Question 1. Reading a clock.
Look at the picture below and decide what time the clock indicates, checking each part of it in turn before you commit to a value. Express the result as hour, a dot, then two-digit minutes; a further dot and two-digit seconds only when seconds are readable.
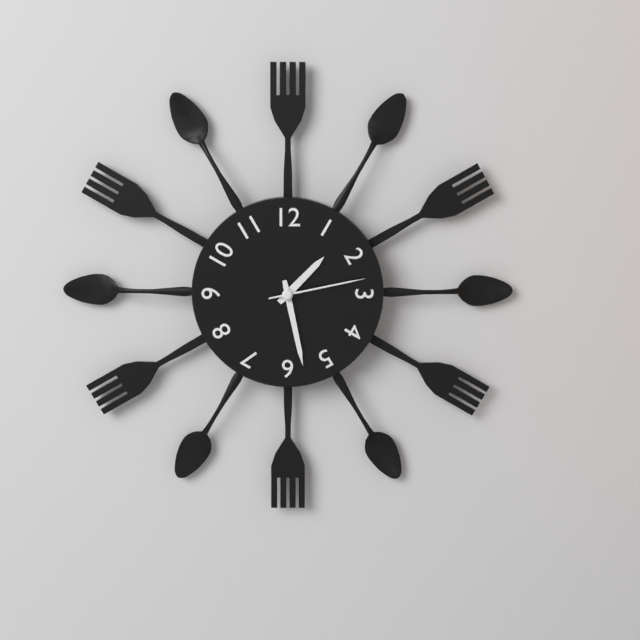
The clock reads 1.28.13
